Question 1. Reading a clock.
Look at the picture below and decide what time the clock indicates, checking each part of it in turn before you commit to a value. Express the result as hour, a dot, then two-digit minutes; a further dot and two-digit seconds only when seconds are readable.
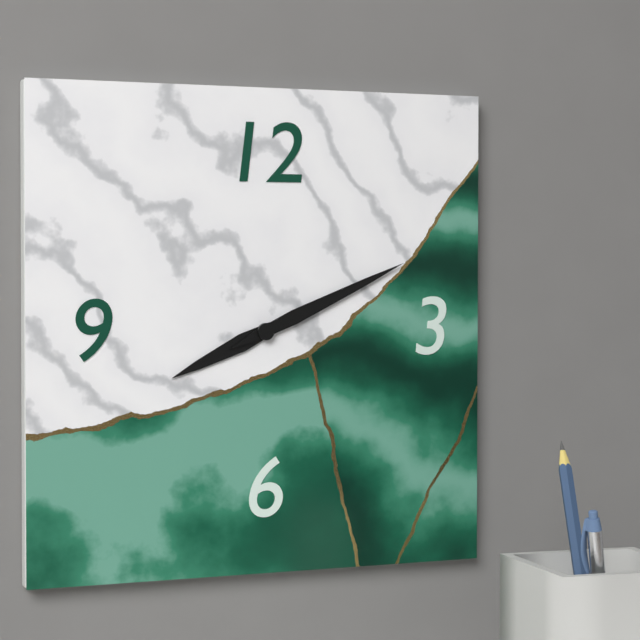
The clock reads 8.11
